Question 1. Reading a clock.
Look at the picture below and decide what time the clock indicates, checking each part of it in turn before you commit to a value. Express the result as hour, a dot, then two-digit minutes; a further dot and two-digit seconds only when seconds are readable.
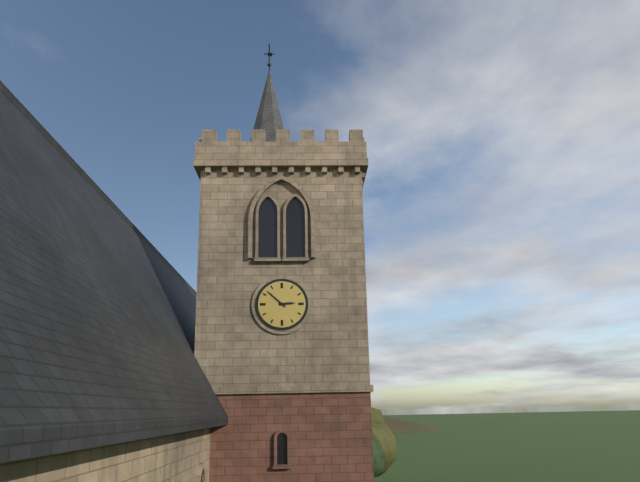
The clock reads 2.52
